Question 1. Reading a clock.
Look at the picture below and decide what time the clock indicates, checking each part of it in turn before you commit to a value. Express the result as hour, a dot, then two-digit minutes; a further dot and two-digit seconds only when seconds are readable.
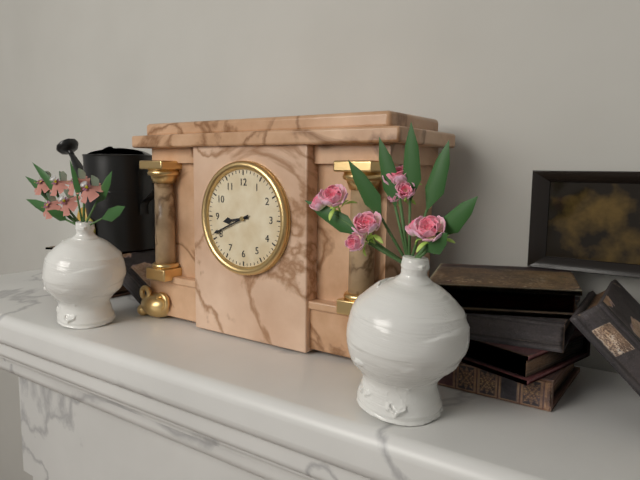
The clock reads 8.41
